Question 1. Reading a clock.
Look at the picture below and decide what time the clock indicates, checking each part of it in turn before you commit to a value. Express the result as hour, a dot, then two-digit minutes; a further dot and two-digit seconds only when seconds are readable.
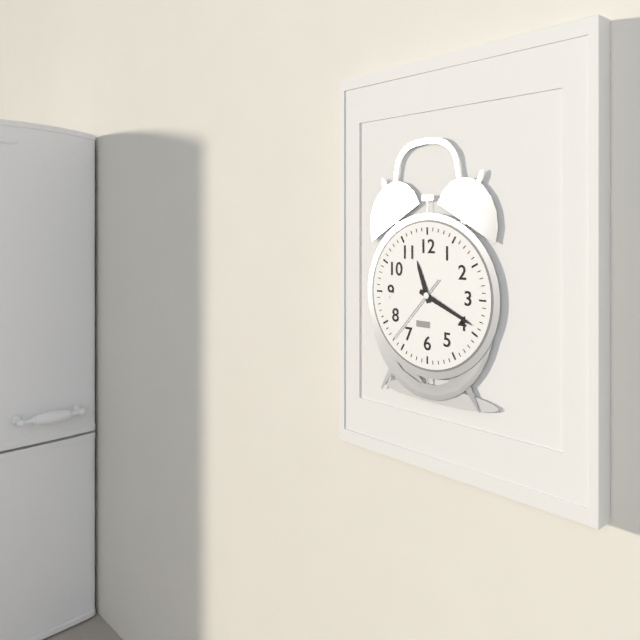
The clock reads 11.19.37
